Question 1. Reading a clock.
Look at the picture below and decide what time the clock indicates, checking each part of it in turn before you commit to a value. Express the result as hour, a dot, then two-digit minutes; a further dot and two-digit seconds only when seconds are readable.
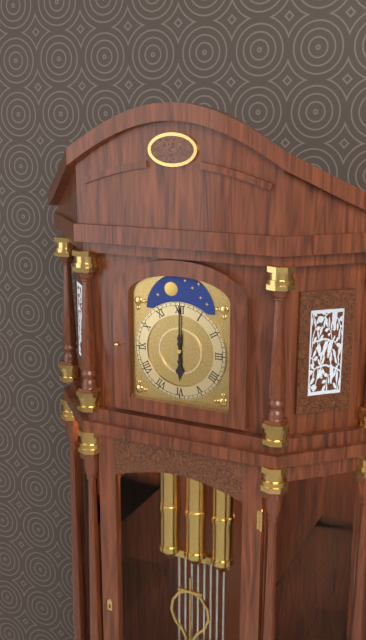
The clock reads 6.00
